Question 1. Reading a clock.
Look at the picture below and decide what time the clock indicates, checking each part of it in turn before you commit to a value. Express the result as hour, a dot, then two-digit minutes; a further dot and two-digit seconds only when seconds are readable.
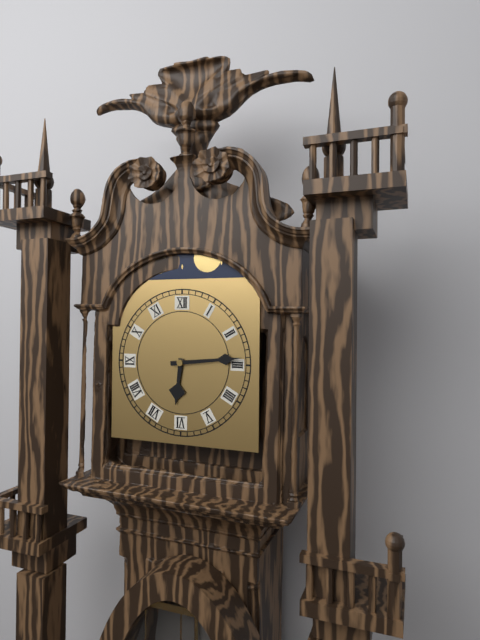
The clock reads 6.14
